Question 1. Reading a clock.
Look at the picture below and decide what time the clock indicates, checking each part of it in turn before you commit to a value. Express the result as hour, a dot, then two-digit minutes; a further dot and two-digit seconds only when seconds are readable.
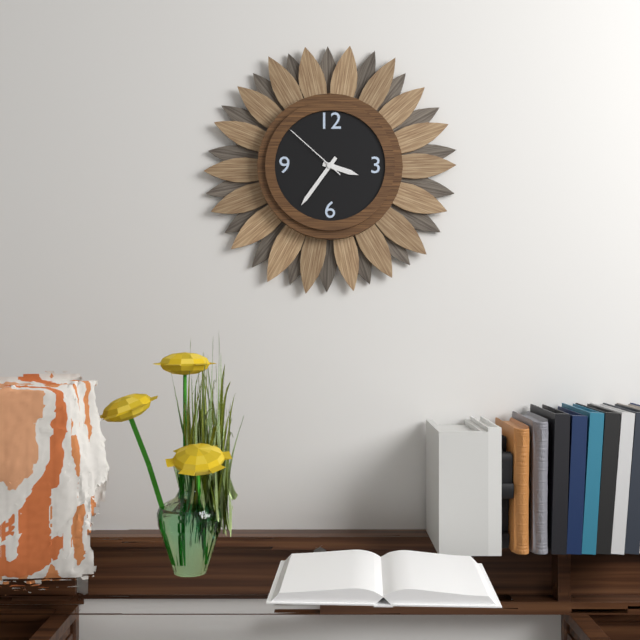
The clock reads 3.36.52
